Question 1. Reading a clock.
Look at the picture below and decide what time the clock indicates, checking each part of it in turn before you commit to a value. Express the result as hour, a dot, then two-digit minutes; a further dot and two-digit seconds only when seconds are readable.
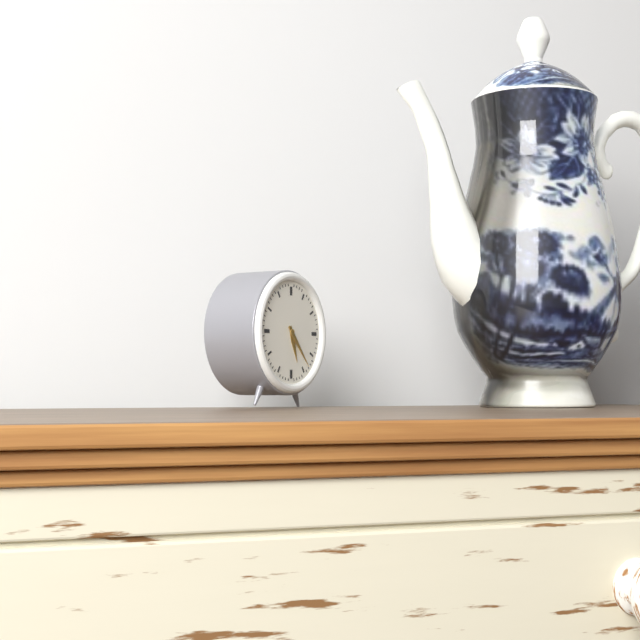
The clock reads 5.23
